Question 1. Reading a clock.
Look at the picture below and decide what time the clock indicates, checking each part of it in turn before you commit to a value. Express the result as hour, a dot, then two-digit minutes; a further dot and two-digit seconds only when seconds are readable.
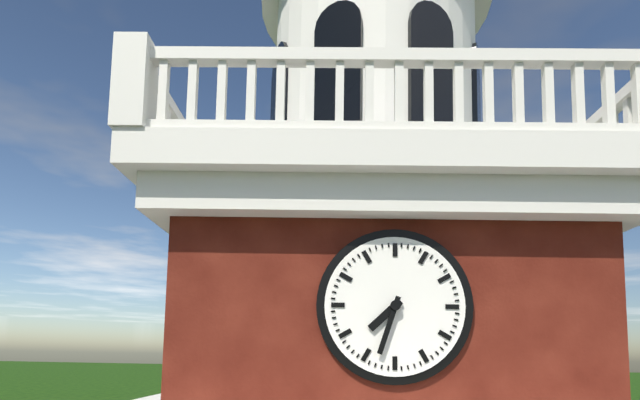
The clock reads 7.33
